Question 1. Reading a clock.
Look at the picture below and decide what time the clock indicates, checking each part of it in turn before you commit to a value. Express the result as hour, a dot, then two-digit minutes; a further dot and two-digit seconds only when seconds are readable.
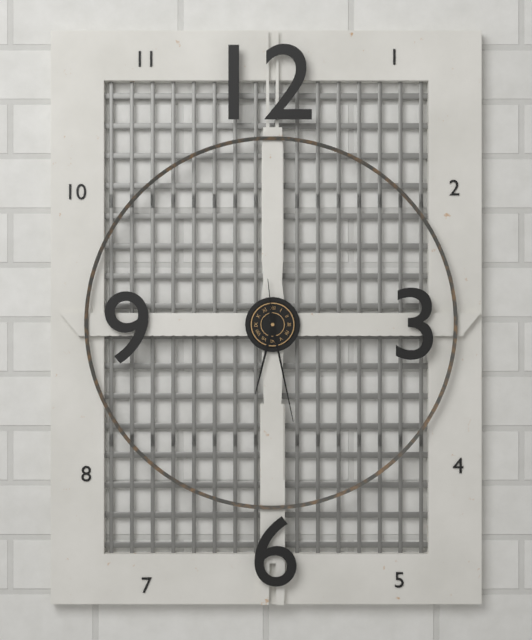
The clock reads 6.28.59
